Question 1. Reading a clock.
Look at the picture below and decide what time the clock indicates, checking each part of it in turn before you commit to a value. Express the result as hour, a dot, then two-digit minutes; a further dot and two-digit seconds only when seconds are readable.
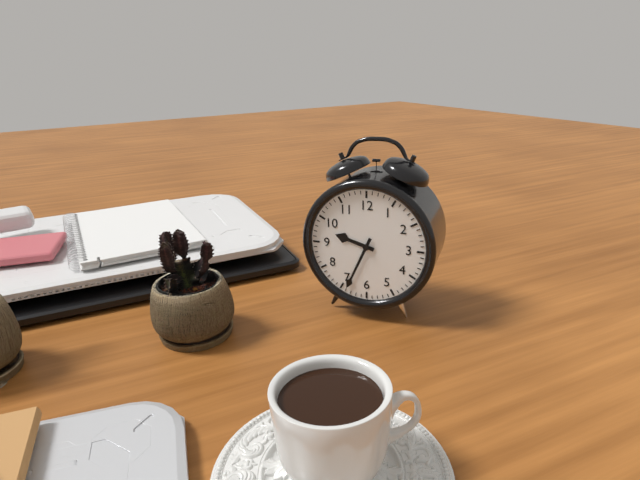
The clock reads 9.34
